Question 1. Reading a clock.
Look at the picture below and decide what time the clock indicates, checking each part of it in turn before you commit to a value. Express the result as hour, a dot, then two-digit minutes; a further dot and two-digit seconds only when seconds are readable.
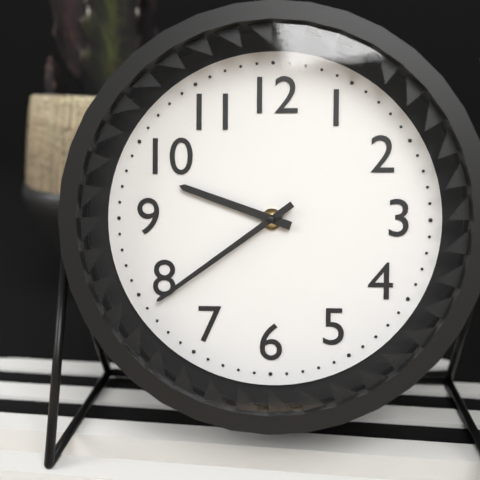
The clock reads 9.39
